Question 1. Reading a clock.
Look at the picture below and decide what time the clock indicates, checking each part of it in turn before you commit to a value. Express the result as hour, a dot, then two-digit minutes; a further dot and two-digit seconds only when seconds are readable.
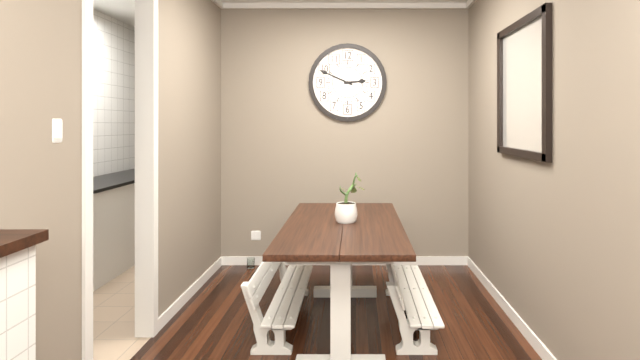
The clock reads 2.49
